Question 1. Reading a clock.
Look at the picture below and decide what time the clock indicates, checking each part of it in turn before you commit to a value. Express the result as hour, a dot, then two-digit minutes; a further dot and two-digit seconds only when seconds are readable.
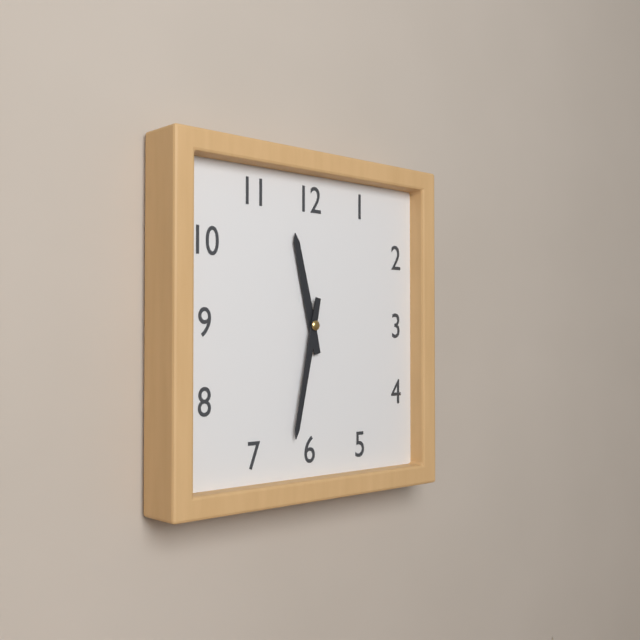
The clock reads 11.32
